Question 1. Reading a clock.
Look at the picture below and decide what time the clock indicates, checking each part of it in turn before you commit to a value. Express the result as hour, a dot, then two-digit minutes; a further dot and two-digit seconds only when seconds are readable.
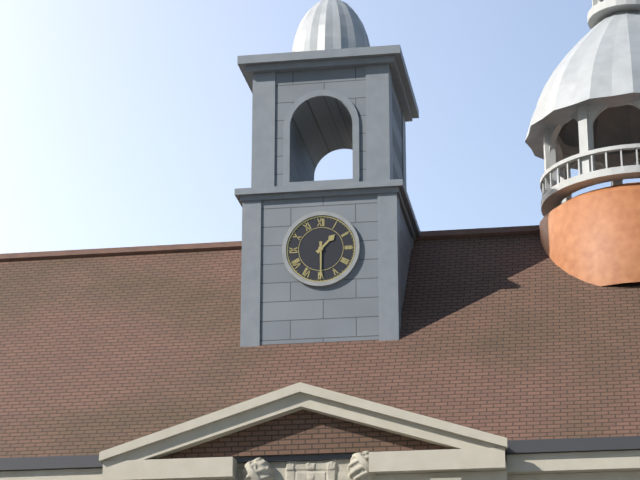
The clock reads 1.30
